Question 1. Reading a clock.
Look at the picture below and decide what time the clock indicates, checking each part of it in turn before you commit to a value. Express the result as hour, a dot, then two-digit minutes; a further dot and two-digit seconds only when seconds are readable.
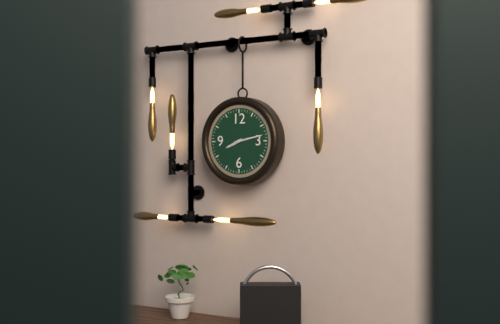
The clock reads 8.13
